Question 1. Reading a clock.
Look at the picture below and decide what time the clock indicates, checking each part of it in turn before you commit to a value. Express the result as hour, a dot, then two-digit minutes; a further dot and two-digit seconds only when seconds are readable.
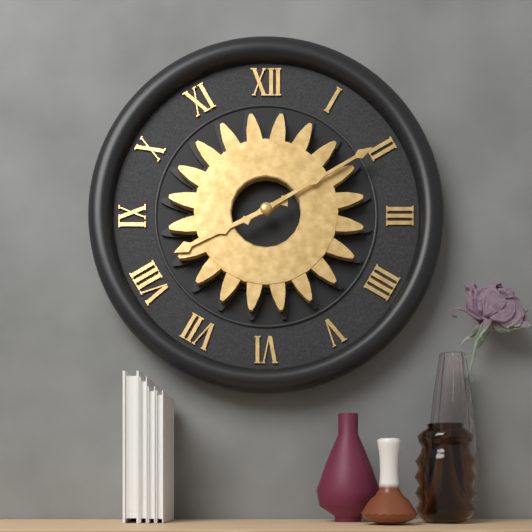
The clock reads 8.10
